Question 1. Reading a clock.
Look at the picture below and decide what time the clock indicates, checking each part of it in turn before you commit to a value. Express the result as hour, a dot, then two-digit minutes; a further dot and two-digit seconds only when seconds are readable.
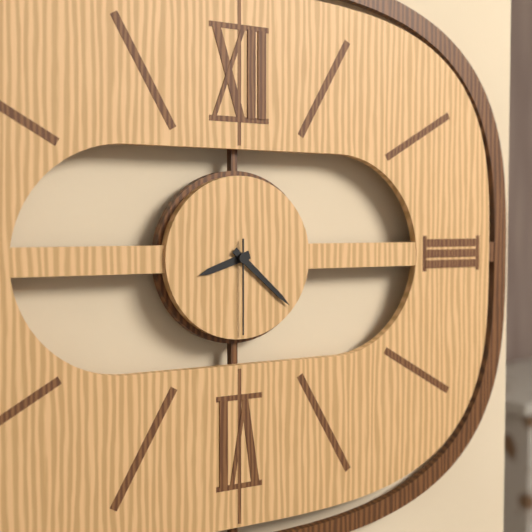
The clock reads 8.22.30
